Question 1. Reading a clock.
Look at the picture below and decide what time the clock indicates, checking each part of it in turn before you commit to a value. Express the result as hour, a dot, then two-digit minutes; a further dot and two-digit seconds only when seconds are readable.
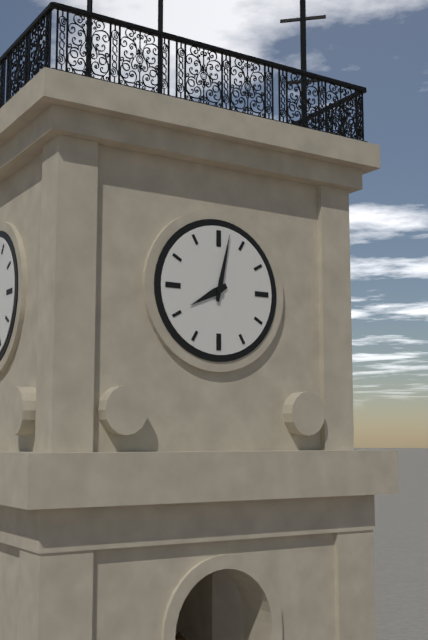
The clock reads 8.02
